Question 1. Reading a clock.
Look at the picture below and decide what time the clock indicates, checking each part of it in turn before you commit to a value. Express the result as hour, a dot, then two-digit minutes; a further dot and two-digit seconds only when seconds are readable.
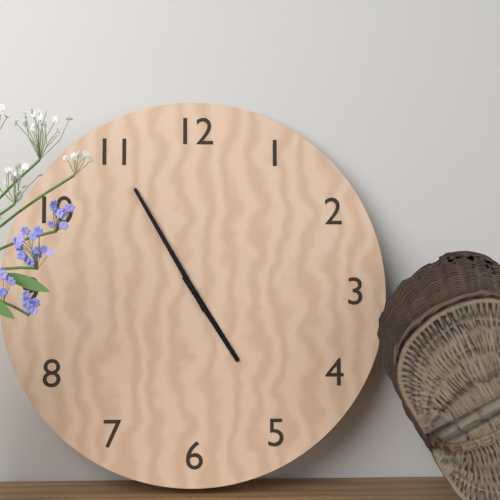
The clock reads 4.55
